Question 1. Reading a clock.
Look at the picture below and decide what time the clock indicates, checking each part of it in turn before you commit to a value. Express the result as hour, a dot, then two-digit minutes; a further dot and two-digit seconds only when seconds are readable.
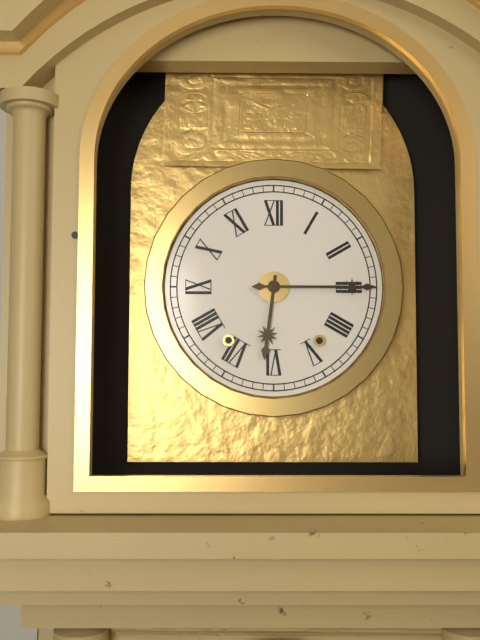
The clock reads 6.15
